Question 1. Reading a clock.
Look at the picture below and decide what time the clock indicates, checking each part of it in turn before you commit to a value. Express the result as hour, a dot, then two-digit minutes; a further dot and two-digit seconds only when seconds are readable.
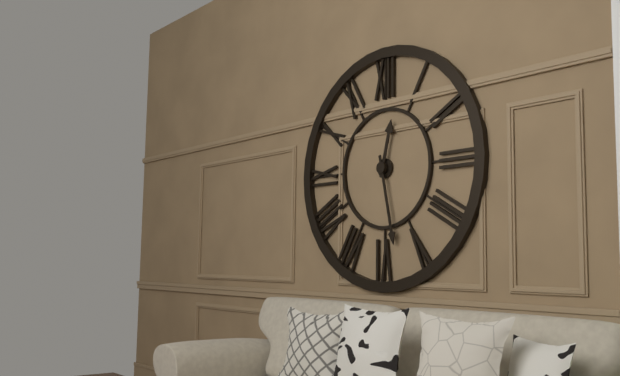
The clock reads 12.28
